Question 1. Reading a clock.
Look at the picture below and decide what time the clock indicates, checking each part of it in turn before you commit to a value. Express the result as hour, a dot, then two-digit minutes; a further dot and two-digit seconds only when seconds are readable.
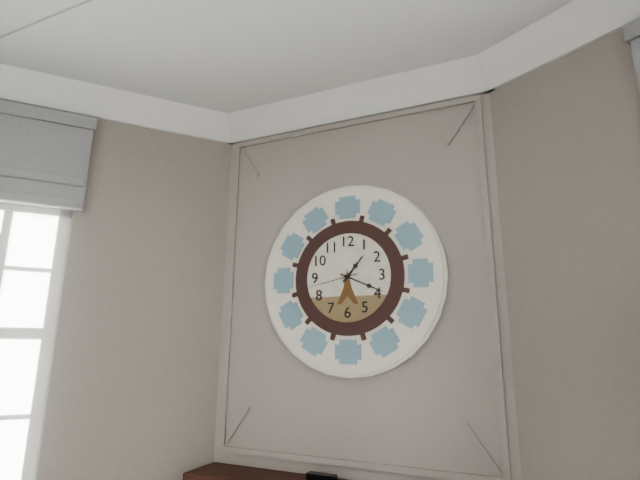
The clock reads 1.19
